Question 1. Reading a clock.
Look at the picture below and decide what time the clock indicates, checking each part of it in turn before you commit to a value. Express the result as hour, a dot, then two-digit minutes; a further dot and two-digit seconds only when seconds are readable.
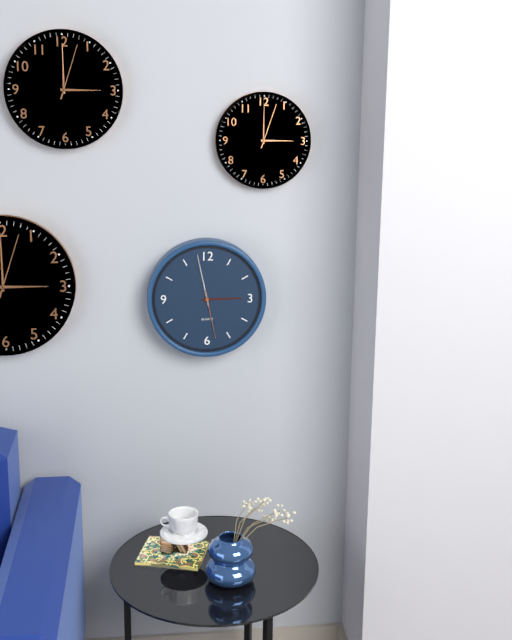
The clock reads 2.58
